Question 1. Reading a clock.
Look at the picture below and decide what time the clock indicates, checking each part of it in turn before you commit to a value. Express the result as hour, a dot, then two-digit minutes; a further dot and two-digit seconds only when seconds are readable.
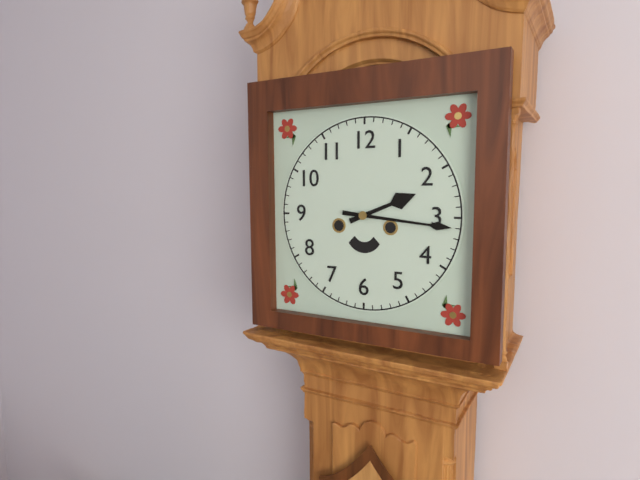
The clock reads 2.16
